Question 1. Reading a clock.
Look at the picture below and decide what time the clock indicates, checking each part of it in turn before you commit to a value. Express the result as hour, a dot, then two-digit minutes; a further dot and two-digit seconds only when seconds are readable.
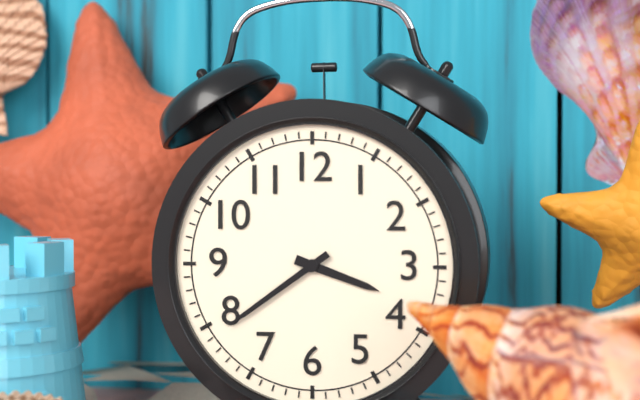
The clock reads 3.39
